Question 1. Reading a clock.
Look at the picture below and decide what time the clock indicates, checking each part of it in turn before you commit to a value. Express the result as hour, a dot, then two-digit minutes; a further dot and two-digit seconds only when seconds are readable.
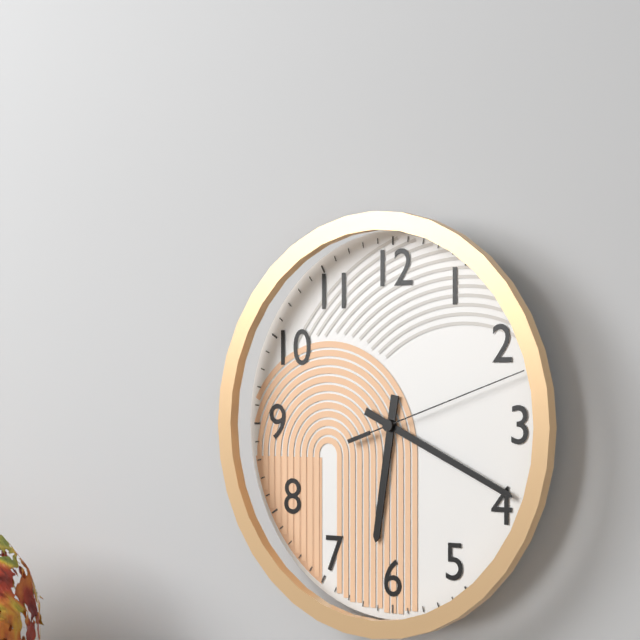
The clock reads 6.19.12
